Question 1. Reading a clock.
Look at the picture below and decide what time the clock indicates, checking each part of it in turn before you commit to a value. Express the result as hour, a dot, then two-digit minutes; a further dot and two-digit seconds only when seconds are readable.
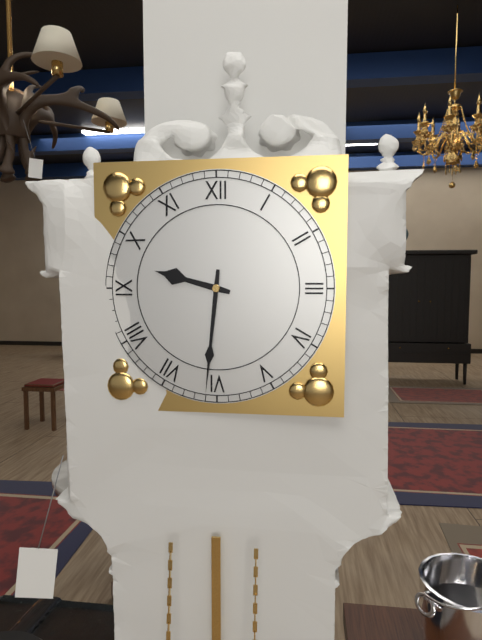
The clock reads 9.31
